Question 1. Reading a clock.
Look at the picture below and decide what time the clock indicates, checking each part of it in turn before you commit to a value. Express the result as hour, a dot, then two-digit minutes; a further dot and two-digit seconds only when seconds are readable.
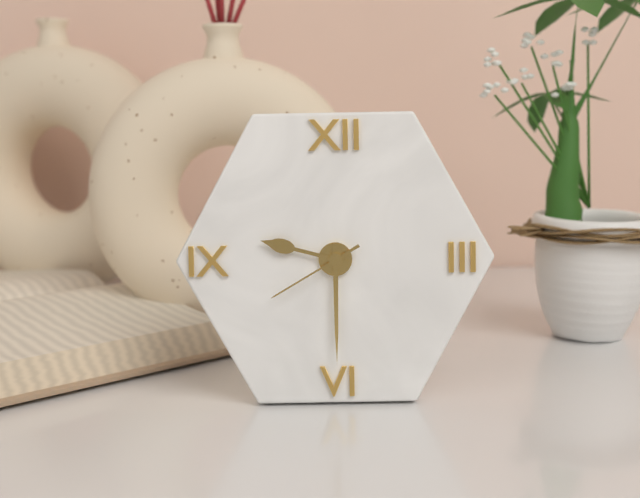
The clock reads 9.30.40
